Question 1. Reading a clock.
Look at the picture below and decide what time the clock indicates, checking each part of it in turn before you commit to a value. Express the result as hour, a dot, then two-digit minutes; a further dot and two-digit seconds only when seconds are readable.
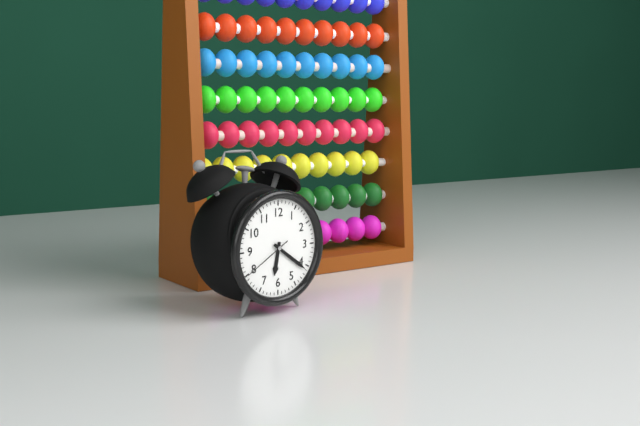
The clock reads 6.21.40
